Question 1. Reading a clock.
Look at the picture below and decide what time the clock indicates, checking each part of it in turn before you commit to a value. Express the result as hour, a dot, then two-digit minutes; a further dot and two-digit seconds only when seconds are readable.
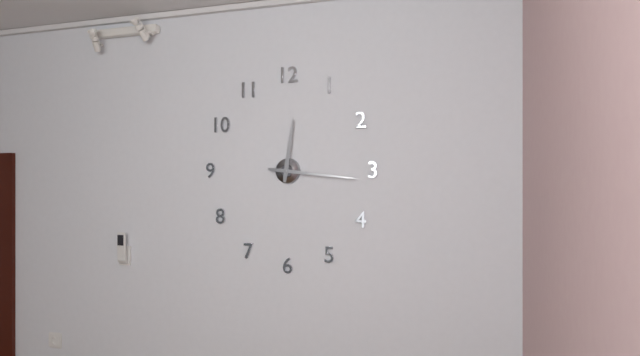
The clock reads 12.16
